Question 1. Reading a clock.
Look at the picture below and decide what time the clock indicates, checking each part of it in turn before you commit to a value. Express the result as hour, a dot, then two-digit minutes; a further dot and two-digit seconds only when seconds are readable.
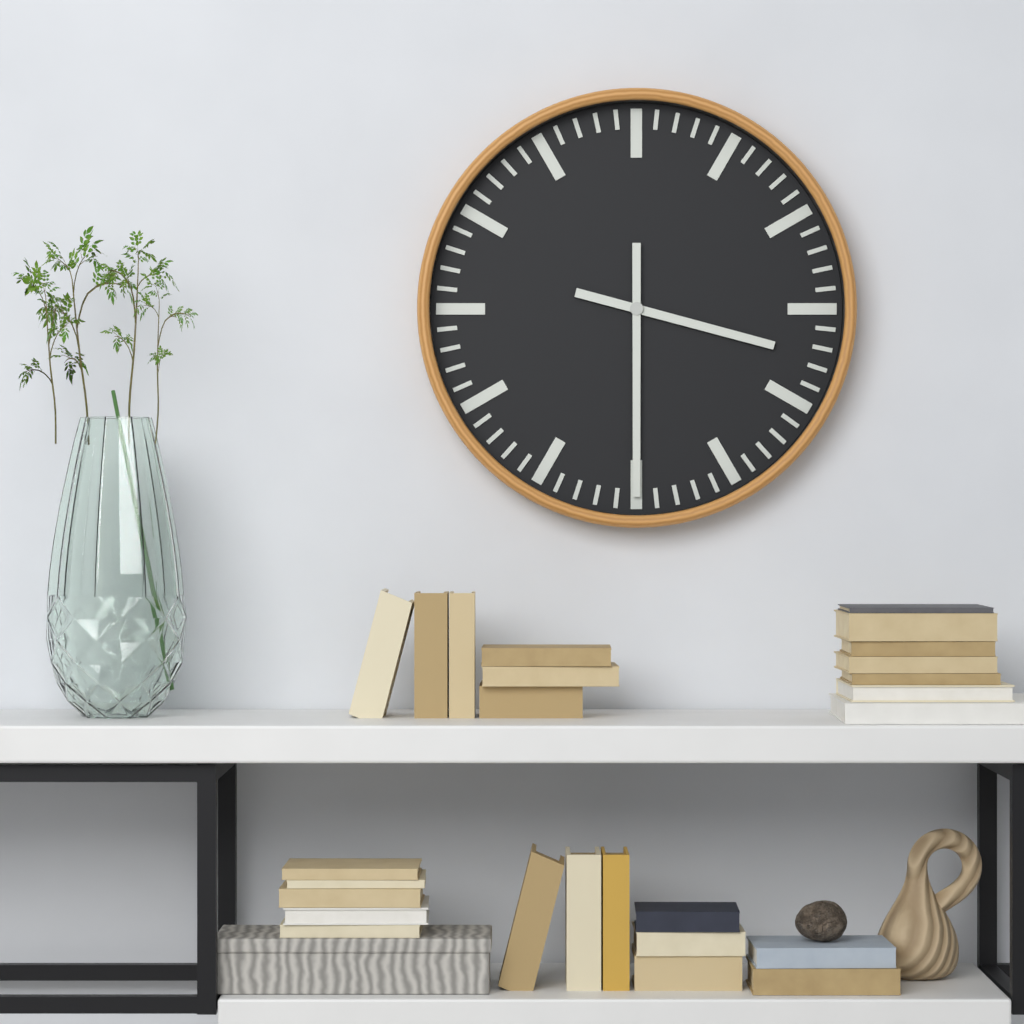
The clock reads 3.30
